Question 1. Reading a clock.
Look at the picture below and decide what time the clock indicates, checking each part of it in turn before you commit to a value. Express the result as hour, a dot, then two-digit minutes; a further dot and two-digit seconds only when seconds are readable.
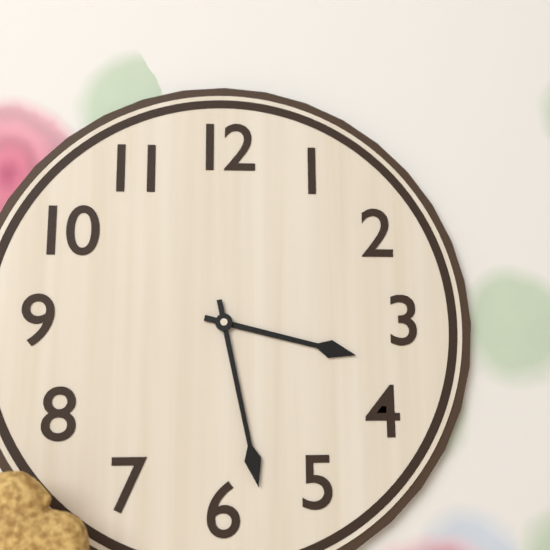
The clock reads 3.28
